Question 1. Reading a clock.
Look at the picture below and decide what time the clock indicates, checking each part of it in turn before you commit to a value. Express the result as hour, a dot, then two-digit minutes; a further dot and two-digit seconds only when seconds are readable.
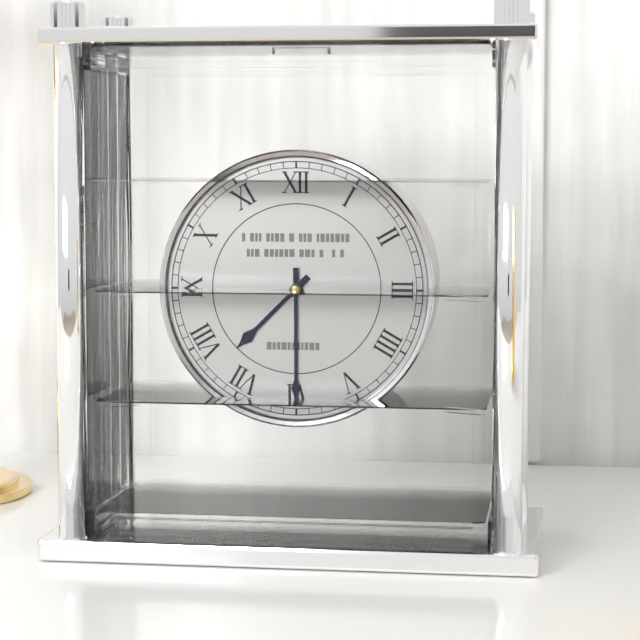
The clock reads 7.30
